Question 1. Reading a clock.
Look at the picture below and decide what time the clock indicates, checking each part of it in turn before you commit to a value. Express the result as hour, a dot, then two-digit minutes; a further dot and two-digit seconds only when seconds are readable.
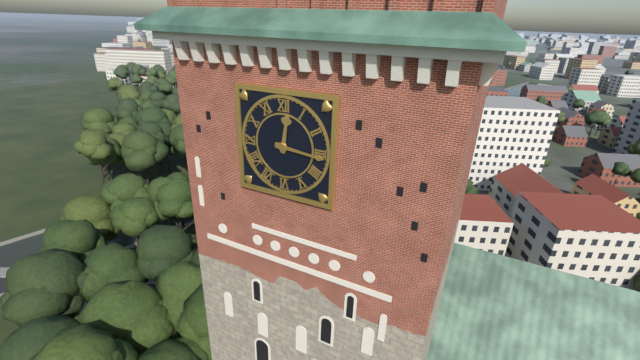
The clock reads 12.16
